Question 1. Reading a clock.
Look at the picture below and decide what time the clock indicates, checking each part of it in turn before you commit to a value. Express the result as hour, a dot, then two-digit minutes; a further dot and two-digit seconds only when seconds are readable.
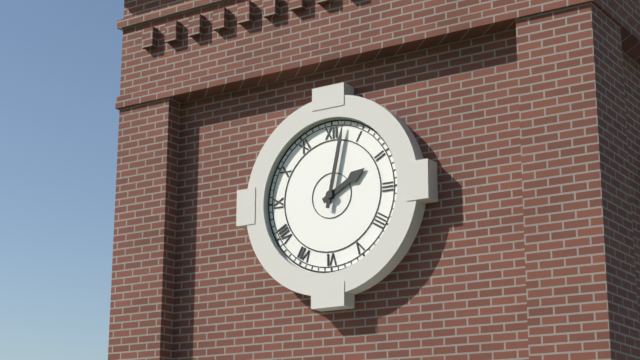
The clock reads 2.02
